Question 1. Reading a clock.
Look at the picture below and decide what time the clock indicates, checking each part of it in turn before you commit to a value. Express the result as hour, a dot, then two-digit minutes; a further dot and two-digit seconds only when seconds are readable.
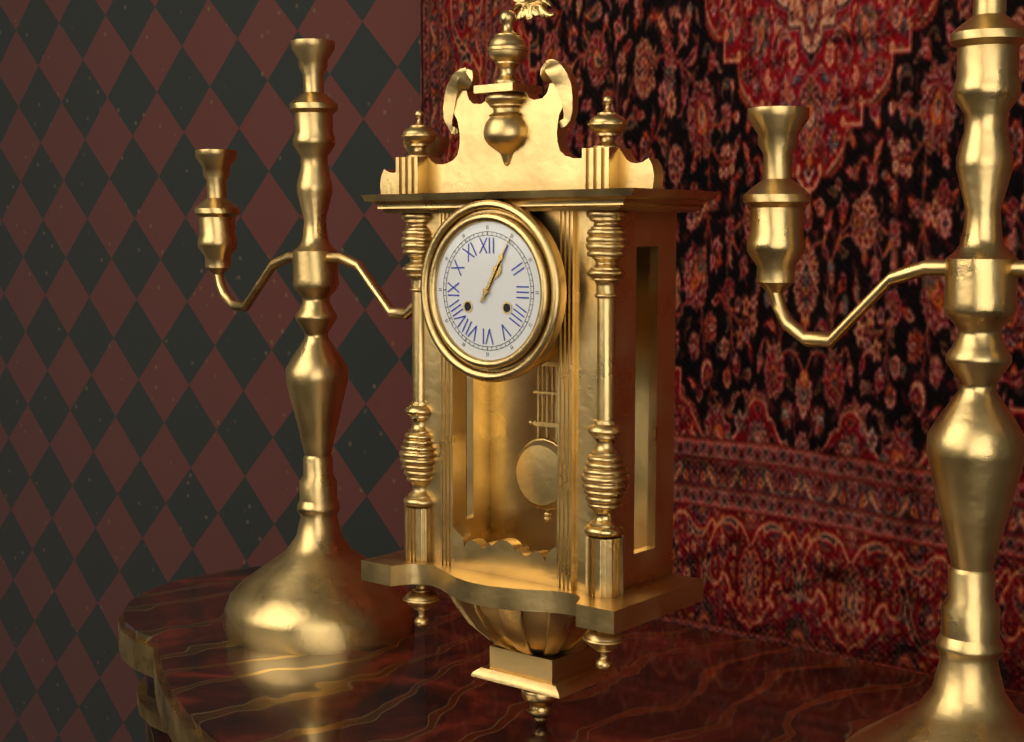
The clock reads 1.05
